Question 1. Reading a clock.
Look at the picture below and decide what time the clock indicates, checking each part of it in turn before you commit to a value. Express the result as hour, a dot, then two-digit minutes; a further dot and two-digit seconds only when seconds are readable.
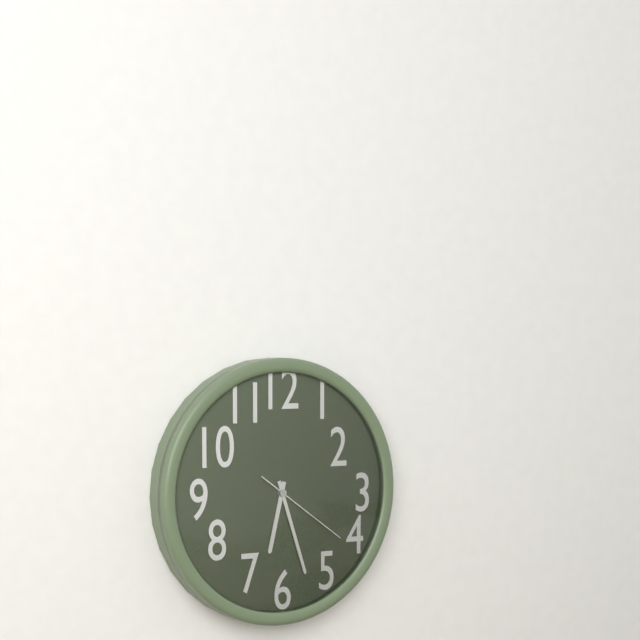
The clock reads 6.27.21
